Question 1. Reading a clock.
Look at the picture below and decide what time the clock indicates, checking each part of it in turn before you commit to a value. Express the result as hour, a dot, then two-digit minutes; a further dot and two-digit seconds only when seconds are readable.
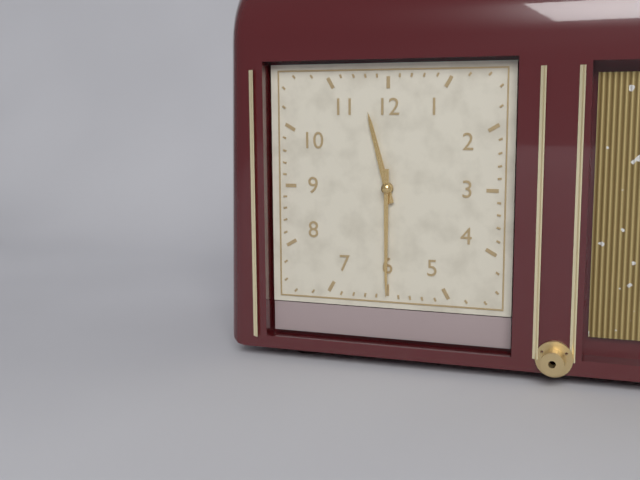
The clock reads 11.30
